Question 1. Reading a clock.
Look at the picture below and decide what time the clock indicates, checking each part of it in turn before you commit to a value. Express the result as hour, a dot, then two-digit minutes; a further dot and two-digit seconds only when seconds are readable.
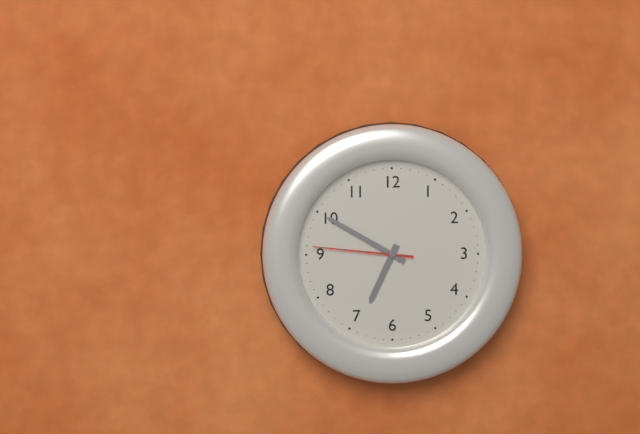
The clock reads 6.50.46
